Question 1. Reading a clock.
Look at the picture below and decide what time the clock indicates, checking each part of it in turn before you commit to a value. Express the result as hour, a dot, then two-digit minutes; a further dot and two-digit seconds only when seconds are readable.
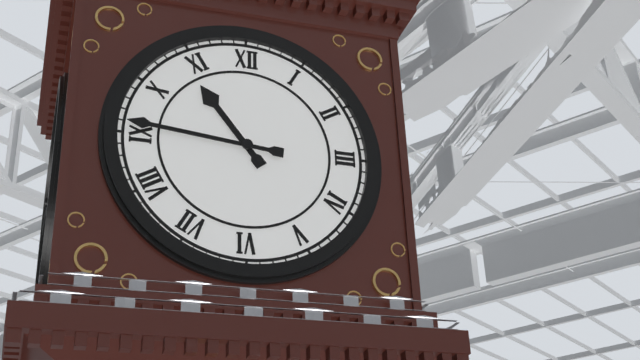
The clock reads 10.46
